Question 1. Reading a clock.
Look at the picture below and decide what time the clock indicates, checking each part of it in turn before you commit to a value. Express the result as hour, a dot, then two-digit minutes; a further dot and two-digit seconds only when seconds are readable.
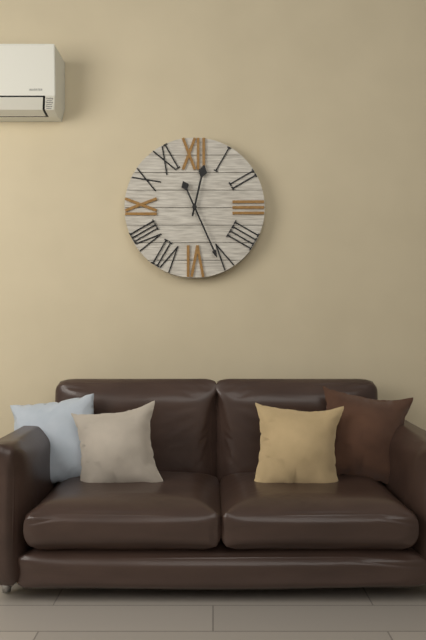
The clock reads 12.26
